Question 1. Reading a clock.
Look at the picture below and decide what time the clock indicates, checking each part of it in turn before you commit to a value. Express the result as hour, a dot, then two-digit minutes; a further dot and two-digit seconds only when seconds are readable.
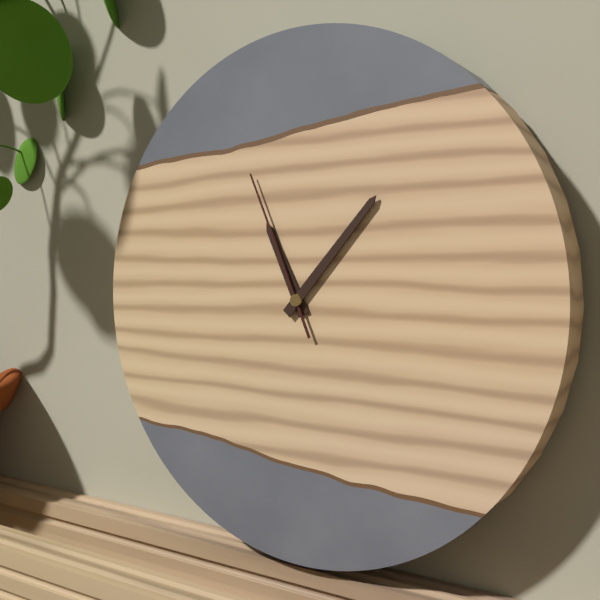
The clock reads 11.07.56
